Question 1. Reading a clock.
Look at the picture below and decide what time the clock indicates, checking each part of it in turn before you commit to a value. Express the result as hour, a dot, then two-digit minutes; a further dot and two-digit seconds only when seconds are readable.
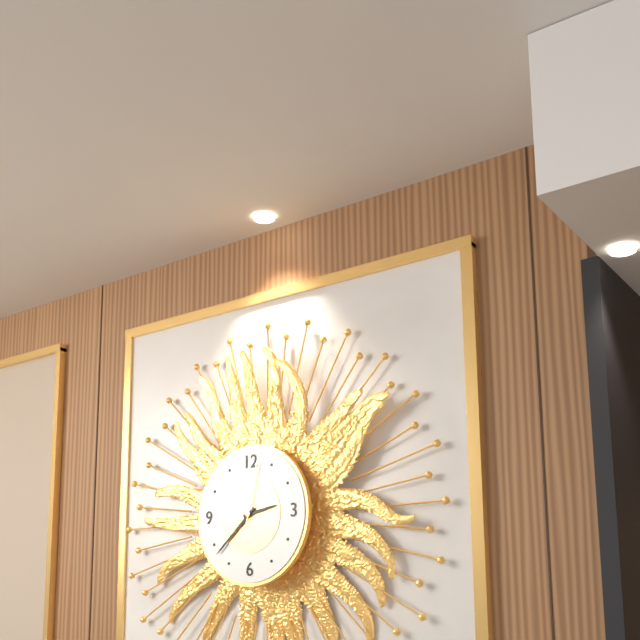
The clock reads 2.38.02
